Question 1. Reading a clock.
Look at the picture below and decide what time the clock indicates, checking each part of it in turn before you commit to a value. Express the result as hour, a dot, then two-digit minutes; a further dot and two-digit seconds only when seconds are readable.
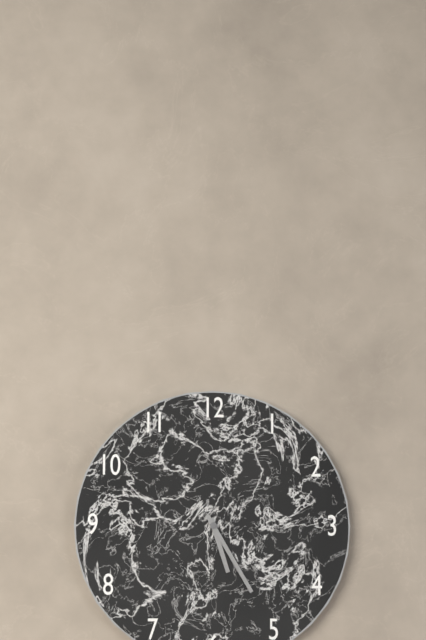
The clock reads 5.25
